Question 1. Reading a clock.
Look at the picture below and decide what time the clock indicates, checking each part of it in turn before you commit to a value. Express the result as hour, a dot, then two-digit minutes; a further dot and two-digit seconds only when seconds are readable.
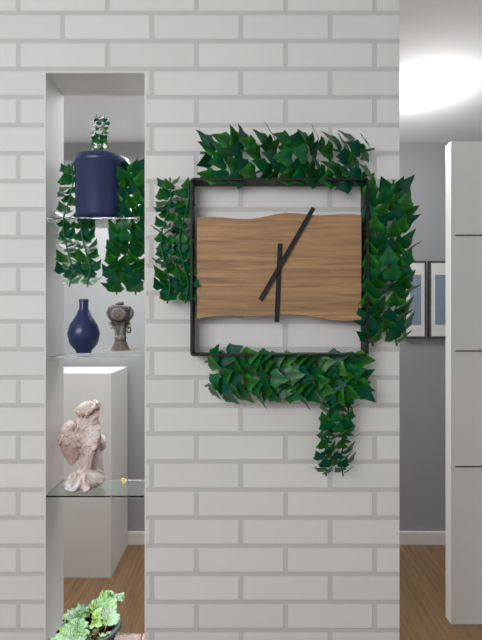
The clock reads 6.05
